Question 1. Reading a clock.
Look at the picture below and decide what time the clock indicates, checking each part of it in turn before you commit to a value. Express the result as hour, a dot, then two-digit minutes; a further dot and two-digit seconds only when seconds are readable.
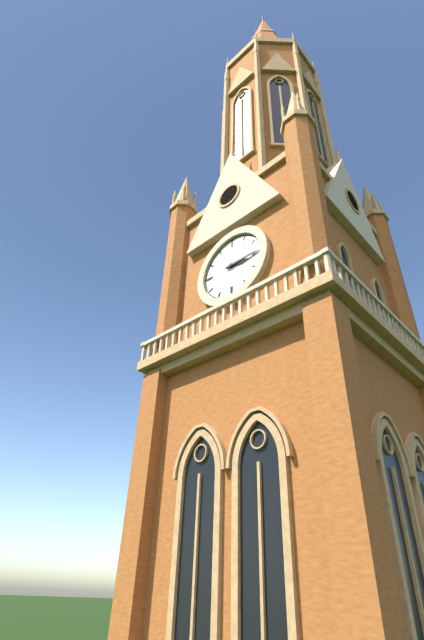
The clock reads 3.15
